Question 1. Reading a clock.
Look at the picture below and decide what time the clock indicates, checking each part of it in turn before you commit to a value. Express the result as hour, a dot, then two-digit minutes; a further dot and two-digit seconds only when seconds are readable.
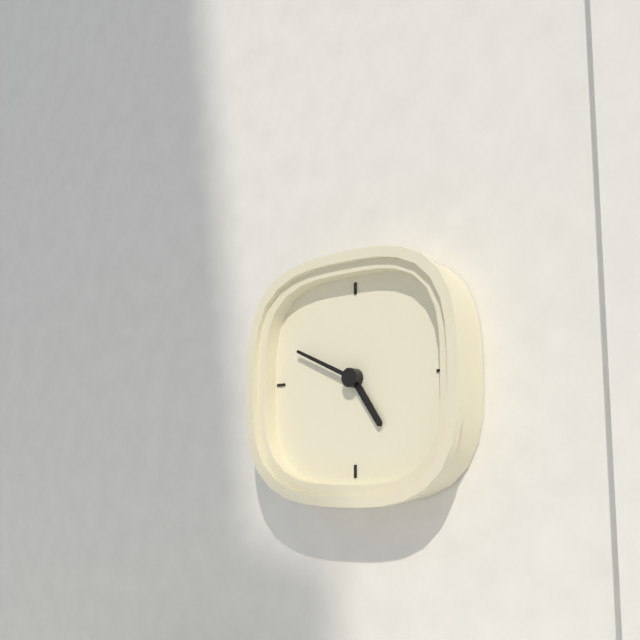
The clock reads 4.49
